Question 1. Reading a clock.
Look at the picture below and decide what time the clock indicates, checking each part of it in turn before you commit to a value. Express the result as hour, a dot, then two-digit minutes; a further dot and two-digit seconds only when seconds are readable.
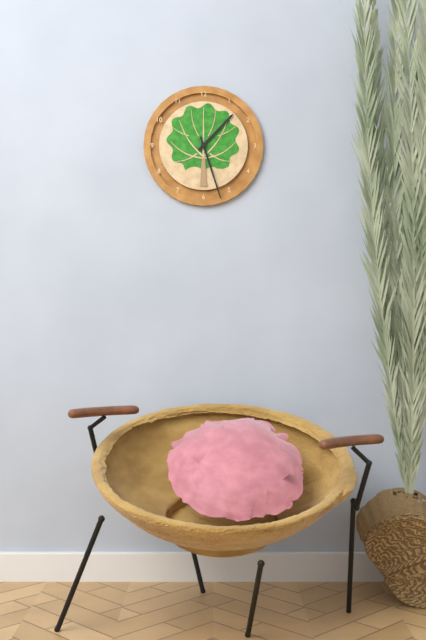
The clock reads 1.27
